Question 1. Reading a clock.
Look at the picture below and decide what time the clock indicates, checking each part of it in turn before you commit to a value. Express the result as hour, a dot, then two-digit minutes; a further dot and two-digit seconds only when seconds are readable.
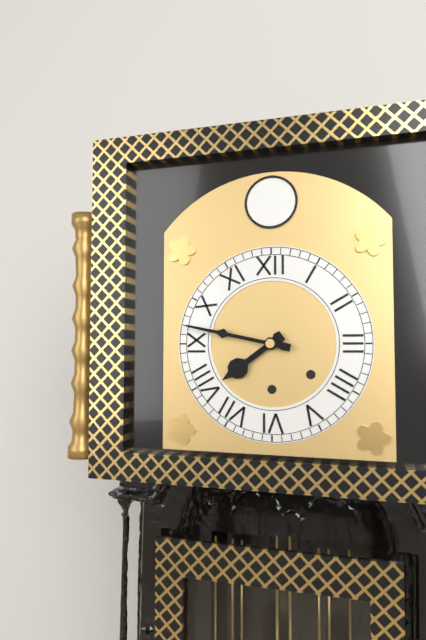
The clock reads 7.47
